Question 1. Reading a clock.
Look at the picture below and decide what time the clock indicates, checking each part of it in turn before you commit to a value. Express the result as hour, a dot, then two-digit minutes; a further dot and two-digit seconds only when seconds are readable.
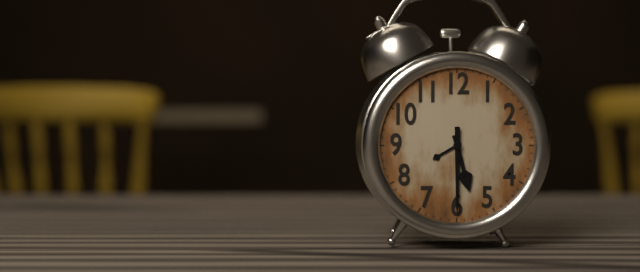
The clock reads 5.30
